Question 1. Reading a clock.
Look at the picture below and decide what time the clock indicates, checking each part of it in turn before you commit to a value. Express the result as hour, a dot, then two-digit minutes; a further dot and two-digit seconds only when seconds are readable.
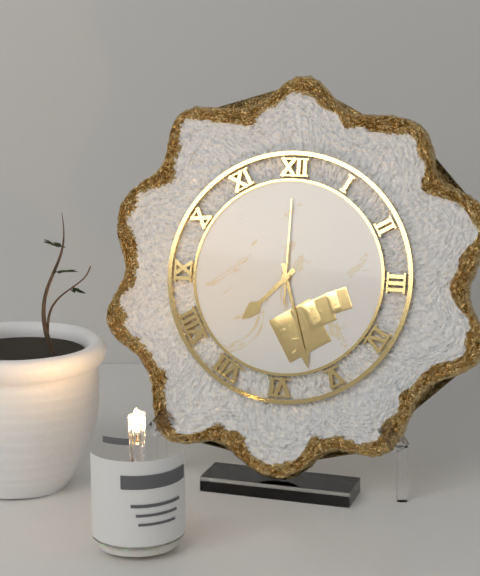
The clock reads 7.27.00
